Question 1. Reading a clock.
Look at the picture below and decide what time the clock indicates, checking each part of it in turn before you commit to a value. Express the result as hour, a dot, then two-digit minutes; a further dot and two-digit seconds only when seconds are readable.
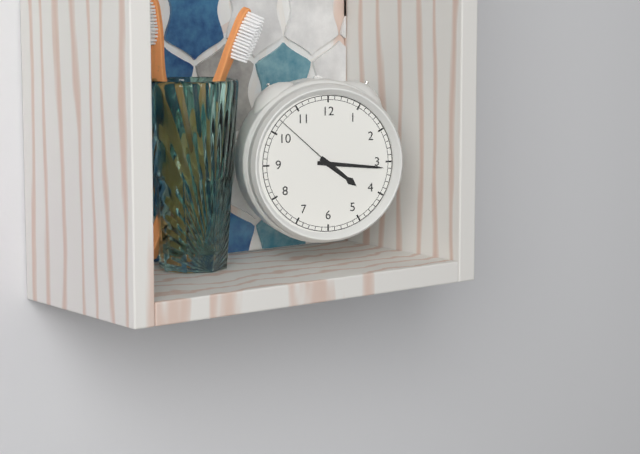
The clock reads 4.16.52
